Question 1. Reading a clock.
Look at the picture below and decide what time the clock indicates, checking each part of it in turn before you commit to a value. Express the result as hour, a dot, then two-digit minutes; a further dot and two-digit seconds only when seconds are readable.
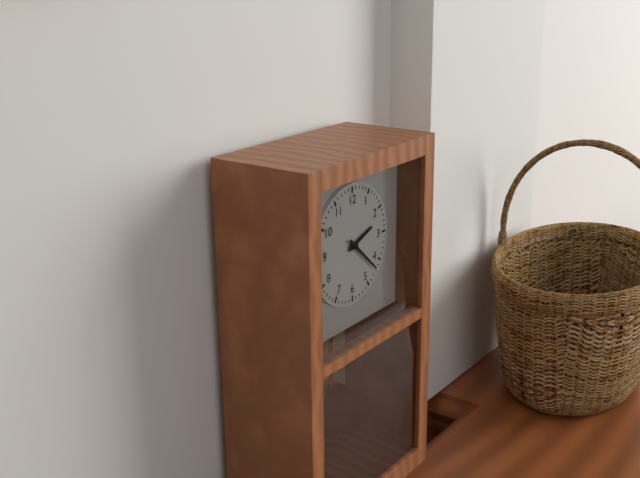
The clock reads 2.22
